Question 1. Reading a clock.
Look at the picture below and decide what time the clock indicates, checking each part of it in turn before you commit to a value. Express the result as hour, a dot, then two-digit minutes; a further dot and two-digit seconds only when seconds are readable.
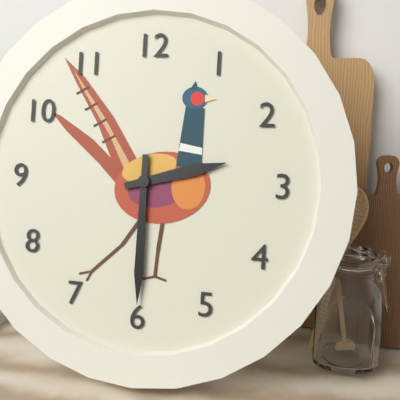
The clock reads 2.30
